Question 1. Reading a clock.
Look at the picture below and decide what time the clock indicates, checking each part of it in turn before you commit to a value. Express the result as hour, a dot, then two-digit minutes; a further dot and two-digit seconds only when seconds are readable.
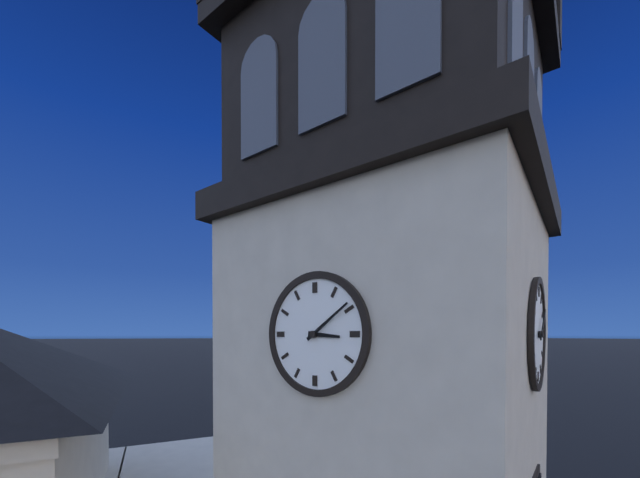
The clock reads 3.09
